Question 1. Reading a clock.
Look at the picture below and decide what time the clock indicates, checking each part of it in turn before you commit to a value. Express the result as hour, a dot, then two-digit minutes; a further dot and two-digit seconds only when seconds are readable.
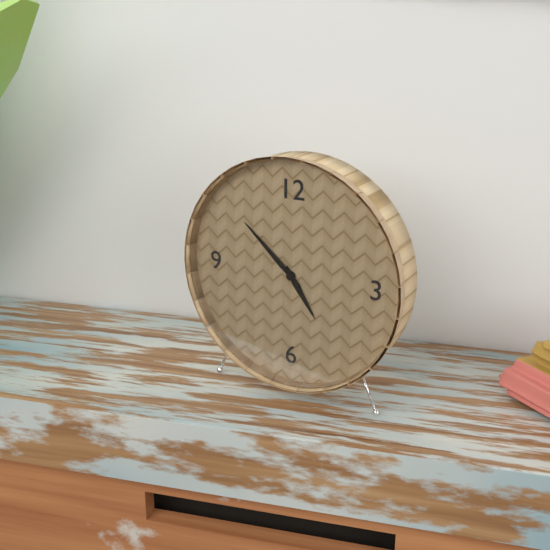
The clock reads 4.52
